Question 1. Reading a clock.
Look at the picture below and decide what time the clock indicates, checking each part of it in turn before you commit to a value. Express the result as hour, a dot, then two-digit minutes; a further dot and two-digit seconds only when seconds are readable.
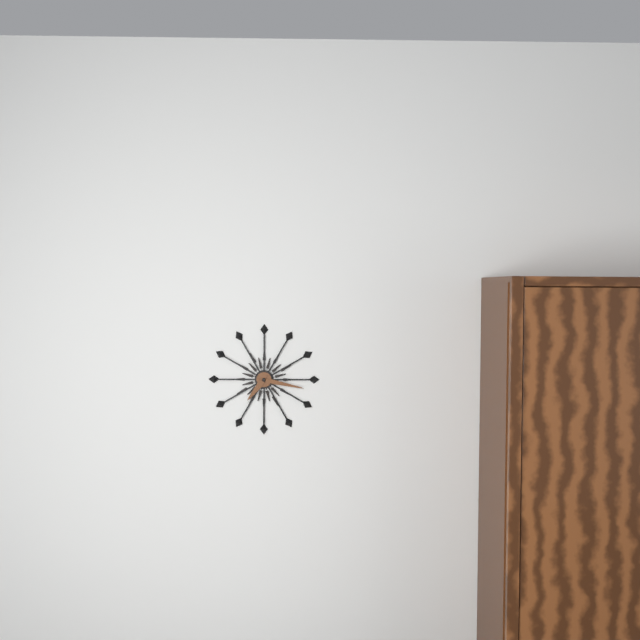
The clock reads 7.17
